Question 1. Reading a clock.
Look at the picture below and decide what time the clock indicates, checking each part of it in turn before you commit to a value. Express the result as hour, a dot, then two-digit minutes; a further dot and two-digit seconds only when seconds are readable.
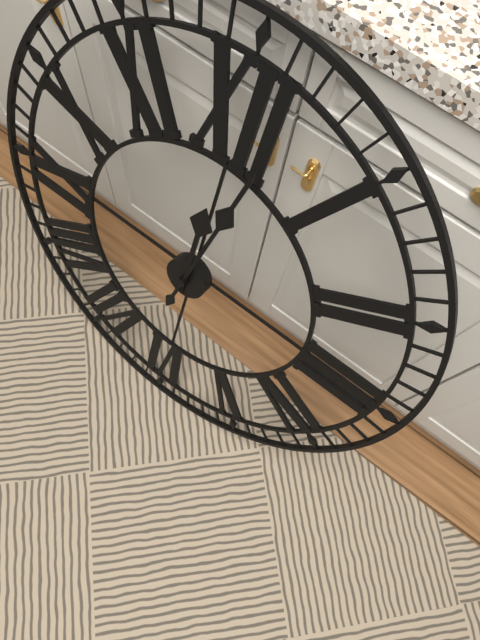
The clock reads 12.02
